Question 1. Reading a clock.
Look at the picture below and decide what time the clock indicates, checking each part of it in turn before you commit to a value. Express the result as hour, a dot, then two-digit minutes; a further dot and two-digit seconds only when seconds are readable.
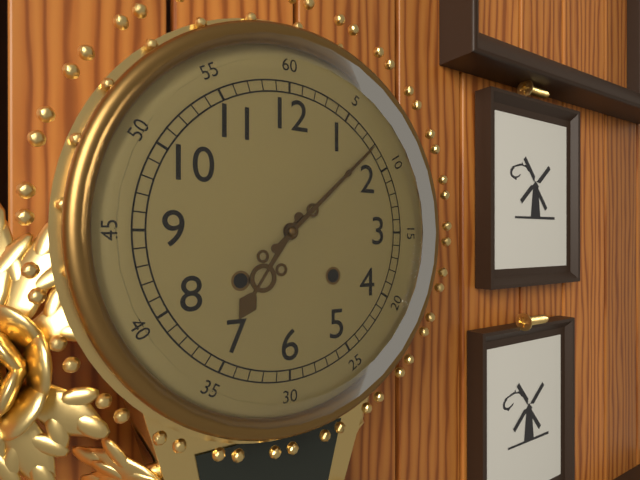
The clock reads 7.08
